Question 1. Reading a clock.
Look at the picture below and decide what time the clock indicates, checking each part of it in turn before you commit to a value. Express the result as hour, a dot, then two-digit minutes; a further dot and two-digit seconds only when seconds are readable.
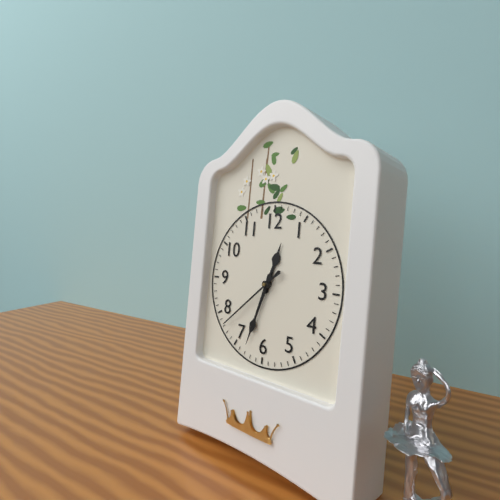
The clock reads 12.33.38
